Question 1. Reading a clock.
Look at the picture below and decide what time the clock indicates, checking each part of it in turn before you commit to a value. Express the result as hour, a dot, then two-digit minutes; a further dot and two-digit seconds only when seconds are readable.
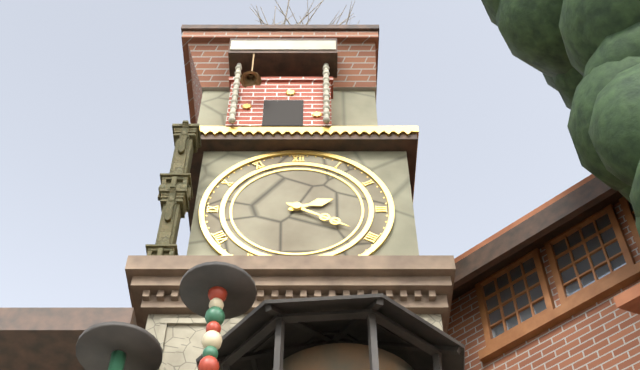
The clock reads 2.20
